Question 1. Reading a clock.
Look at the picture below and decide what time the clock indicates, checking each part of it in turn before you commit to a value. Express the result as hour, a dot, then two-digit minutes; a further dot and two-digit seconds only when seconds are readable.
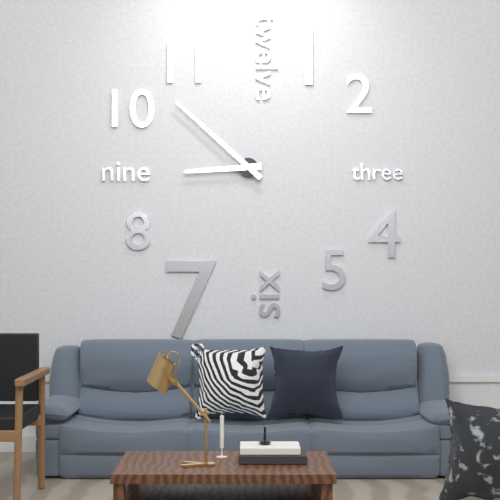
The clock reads 8.52
